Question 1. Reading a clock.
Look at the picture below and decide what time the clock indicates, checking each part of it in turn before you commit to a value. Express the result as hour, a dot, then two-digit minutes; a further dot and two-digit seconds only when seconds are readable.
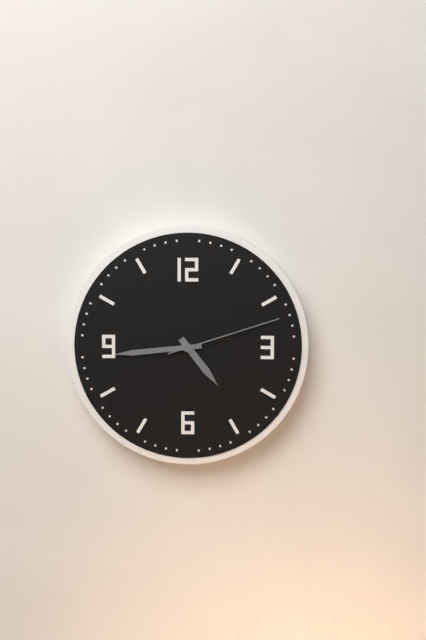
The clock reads 4.44.12
